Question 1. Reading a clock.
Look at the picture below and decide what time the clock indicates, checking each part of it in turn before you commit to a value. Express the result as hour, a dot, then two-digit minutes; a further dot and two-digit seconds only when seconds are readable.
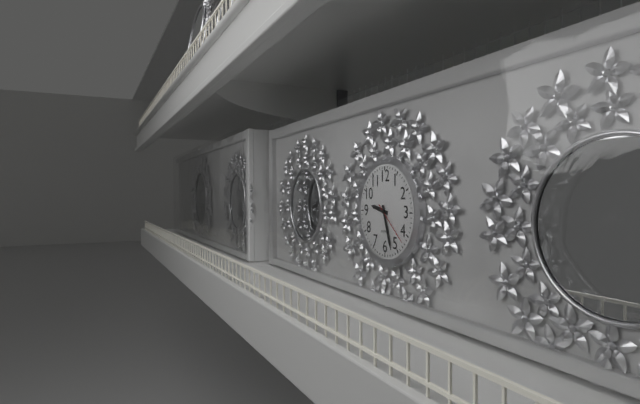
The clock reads 9.27
